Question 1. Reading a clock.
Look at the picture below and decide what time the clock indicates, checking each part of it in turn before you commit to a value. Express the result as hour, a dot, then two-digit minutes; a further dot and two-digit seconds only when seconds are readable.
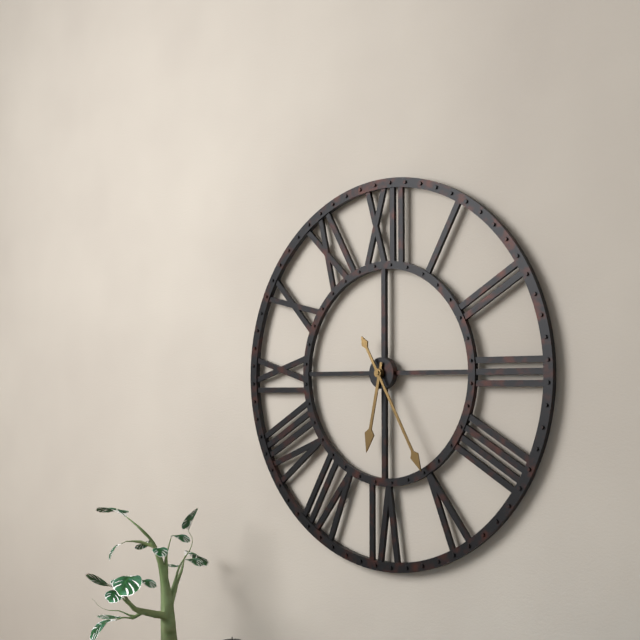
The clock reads 6.25
